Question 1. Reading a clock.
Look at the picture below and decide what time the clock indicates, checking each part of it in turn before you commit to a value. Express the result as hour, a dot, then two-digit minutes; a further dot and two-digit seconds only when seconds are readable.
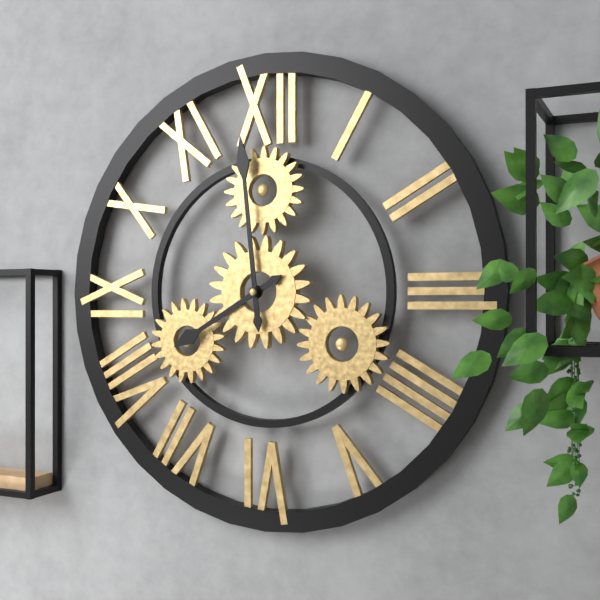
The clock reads 7.59
